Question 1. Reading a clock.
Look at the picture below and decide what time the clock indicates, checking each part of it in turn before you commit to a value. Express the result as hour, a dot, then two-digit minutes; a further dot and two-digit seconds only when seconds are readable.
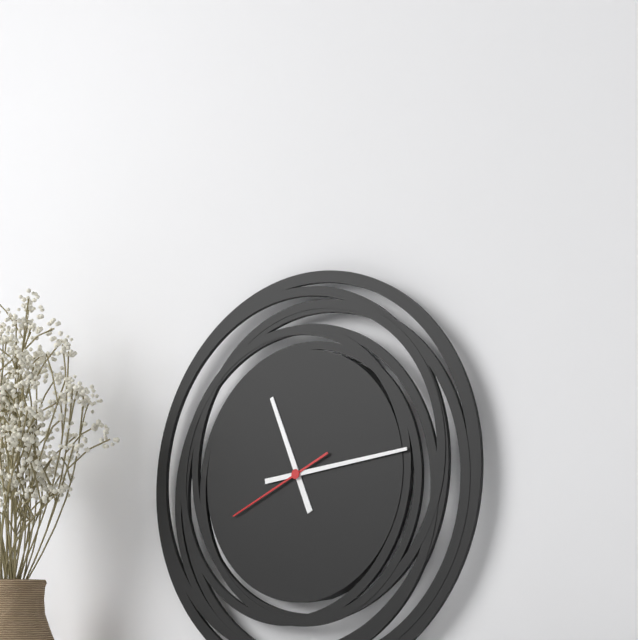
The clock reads 11.14.41
